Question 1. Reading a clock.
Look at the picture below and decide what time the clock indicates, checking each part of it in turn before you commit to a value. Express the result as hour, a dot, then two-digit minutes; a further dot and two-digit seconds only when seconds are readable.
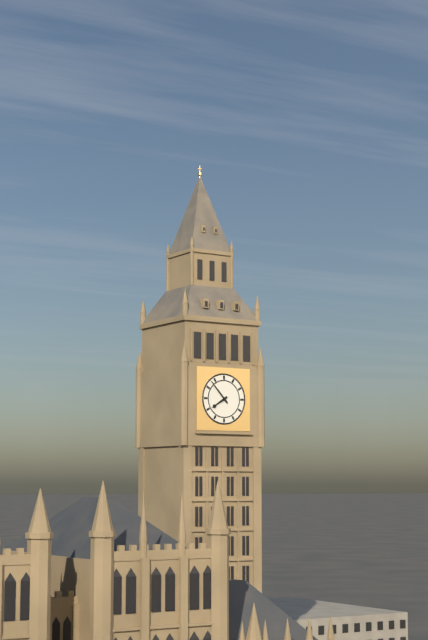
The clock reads 7.53
